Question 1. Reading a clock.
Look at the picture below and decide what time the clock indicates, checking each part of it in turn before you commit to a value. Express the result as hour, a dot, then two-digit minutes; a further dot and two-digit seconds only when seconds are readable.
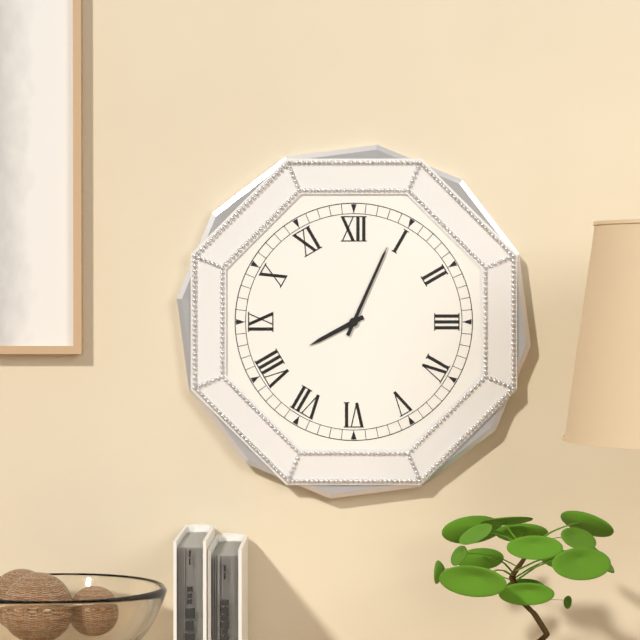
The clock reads 8.04
